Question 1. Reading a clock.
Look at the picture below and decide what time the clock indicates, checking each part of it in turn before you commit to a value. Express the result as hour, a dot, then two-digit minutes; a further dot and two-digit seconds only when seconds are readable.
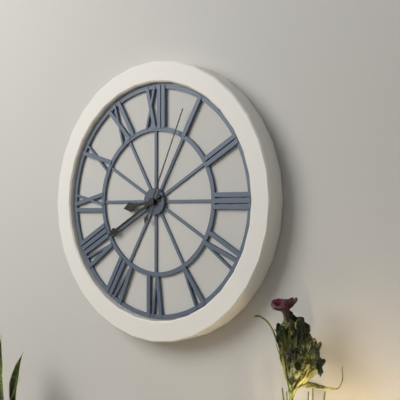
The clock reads 8.40.04
